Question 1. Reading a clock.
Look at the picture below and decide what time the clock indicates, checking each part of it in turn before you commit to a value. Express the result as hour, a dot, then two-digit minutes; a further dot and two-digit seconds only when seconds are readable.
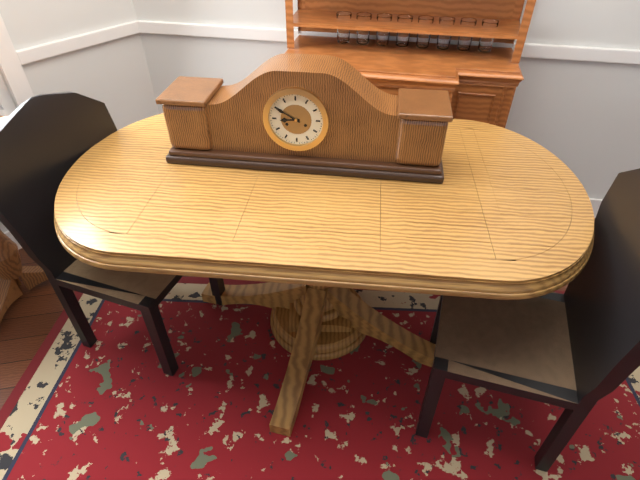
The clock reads 8.50
